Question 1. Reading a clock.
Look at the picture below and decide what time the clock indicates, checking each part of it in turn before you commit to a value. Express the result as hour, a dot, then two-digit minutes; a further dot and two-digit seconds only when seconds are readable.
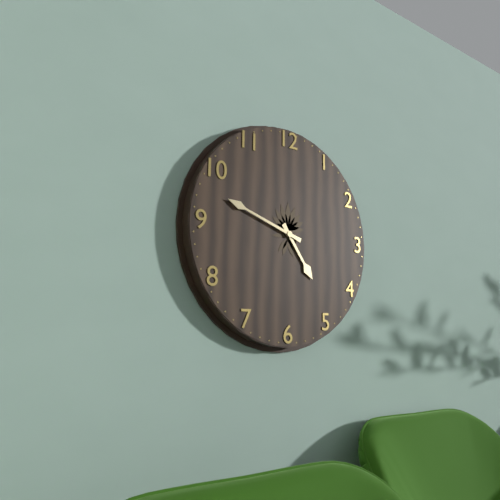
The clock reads 4.48
